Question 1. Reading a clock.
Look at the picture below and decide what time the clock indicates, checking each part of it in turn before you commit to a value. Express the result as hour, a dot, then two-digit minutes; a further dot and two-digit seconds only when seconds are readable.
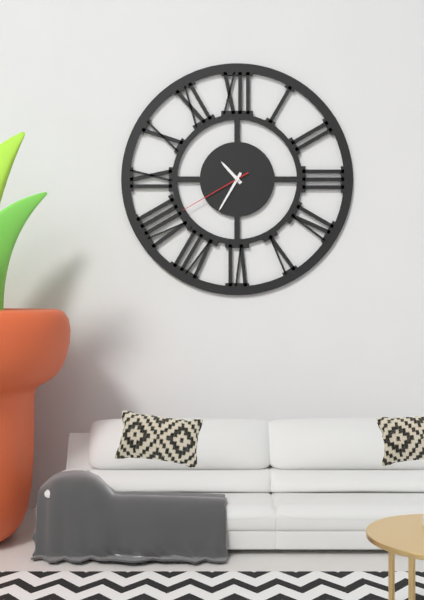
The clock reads 10.35.40
